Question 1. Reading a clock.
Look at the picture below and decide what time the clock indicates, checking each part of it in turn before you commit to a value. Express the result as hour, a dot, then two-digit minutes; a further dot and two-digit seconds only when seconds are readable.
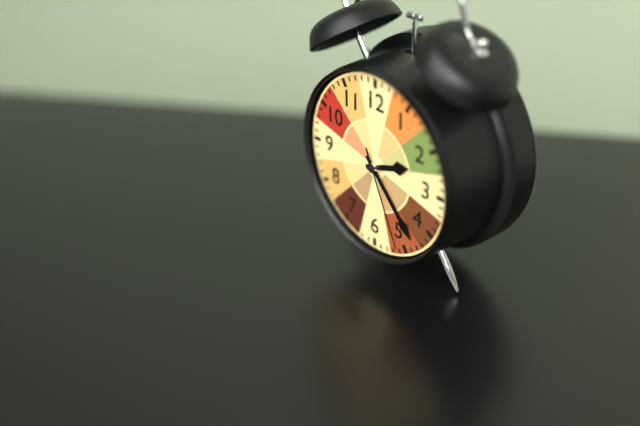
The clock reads 2.23.26
